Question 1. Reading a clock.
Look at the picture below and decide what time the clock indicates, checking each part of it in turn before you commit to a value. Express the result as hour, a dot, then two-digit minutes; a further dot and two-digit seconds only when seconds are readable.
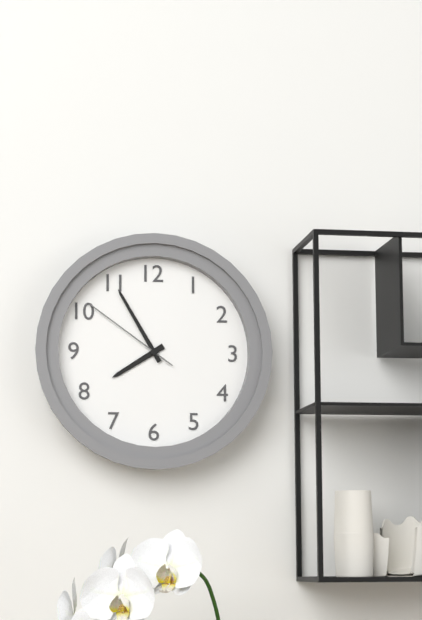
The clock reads 7.55.51
